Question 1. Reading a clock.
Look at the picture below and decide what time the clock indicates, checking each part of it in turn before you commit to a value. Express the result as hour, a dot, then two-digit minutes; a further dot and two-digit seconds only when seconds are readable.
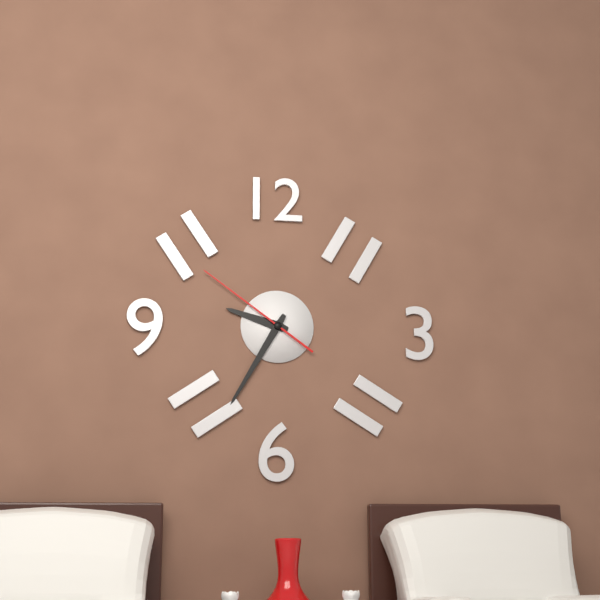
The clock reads 9.35.51
